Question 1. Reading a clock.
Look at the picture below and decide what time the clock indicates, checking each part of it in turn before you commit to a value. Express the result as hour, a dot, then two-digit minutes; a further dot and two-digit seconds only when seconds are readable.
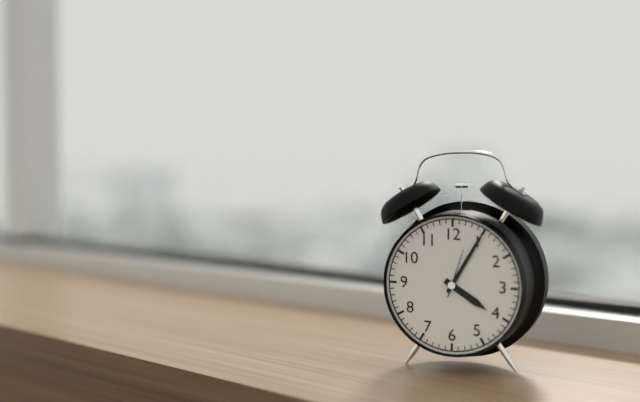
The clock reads 4.05
